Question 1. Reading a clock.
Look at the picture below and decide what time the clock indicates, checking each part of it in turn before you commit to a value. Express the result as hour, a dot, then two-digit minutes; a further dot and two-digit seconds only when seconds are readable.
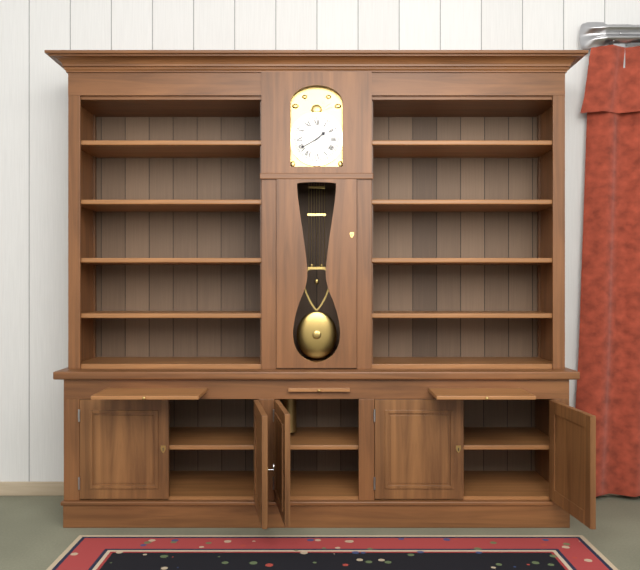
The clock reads 1.40
